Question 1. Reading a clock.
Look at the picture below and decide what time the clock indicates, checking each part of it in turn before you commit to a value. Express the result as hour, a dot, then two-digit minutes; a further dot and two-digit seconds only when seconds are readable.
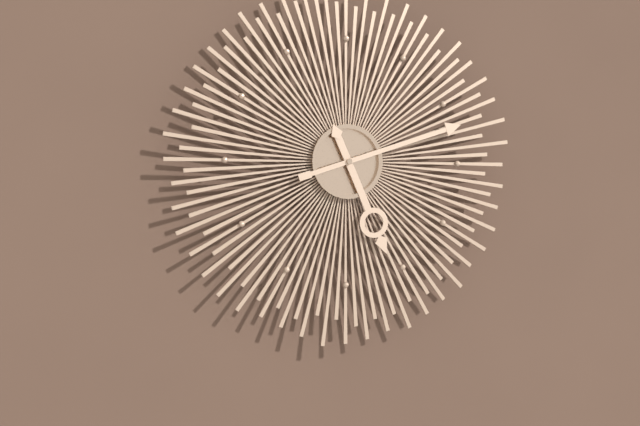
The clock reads 5.12
